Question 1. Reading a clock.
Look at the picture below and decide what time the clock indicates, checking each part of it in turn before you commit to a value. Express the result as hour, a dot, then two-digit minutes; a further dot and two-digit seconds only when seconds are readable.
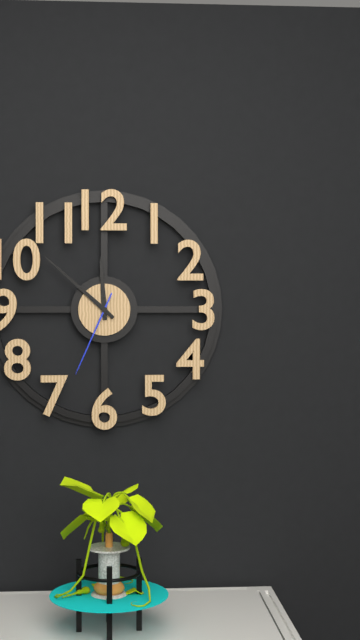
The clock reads 11.52.34
